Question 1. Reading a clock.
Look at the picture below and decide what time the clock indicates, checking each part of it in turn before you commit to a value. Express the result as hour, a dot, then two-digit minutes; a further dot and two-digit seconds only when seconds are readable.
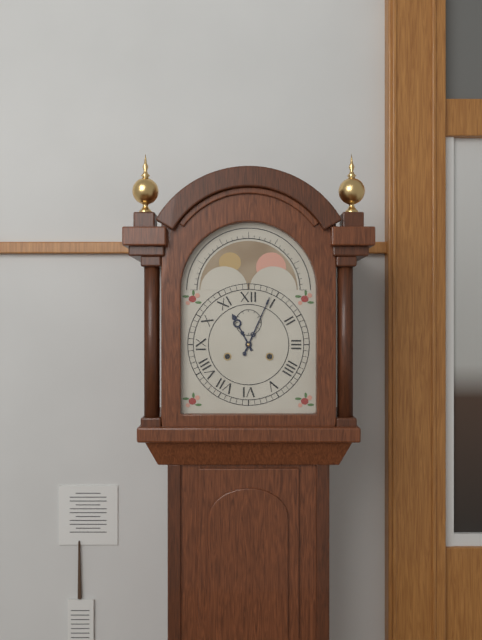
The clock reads 11.04
